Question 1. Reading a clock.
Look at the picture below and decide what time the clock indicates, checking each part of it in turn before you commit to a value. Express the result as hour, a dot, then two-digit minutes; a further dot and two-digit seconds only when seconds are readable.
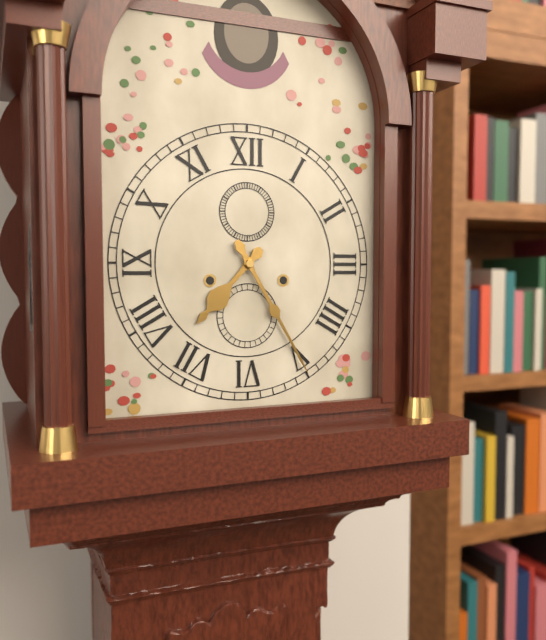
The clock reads 7.25
